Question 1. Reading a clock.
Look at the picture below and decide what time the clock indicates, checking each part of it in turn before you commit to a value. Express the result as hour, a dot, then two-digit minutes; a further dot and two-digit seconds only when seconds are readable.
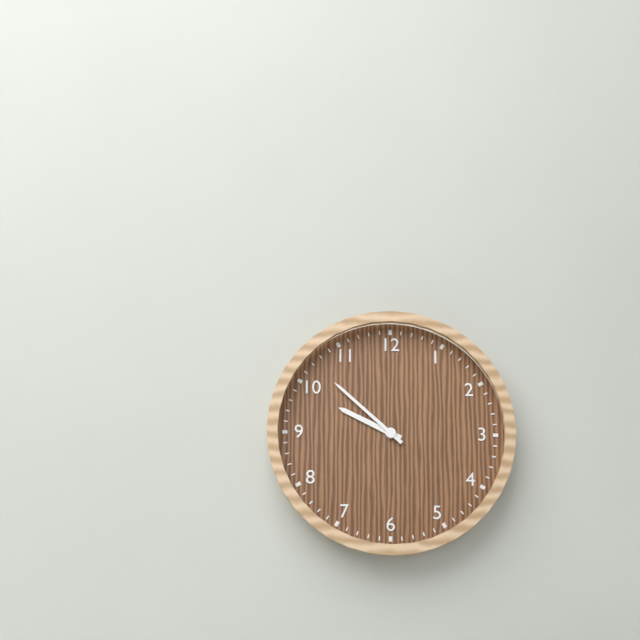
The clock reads 9.52
